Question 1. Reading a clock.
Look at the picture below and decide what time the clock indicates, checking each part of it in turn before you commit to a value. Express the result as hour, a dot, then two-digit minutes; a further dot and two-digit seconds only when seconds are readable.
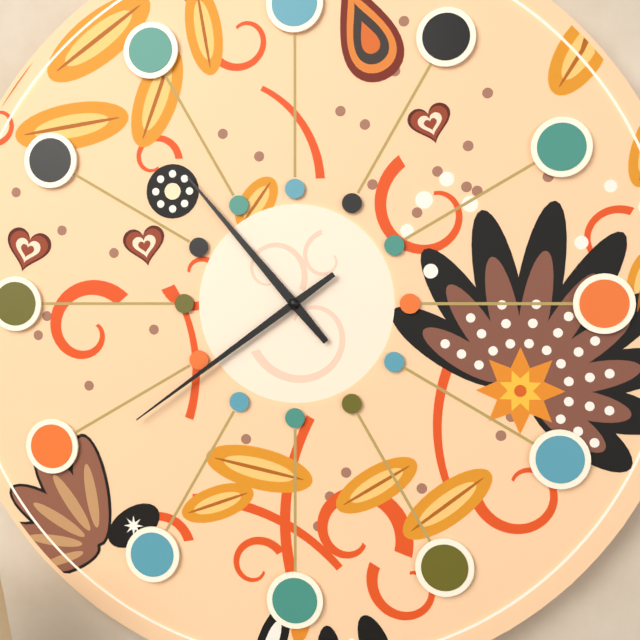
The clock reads 10.39
